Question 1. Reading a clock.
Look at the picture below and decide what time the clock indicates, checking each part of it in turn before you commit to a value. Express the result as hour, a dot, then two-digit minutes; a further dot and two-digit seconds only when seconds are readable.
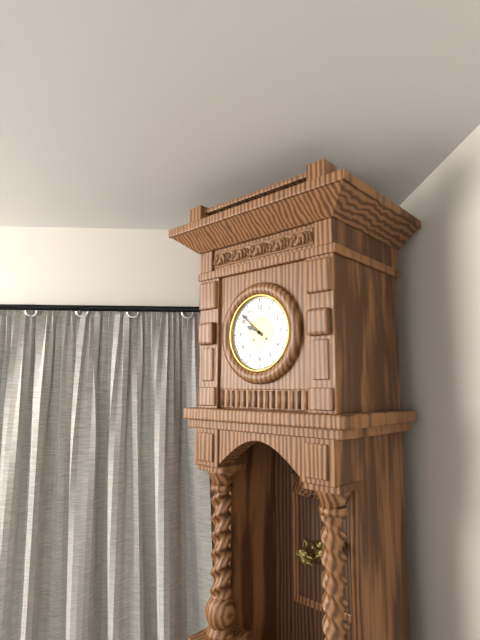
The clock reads 9.52
